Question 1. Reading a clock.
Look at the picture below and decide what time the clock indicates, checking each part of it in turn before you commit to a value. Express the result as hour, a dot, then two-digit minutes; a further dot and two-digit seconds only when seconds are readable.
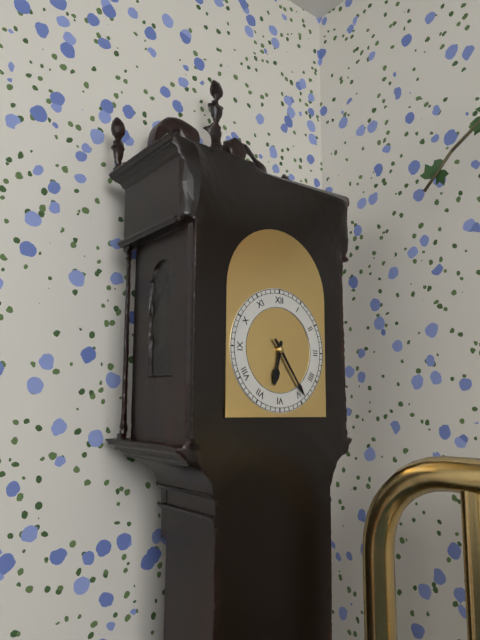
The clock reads 6.24
